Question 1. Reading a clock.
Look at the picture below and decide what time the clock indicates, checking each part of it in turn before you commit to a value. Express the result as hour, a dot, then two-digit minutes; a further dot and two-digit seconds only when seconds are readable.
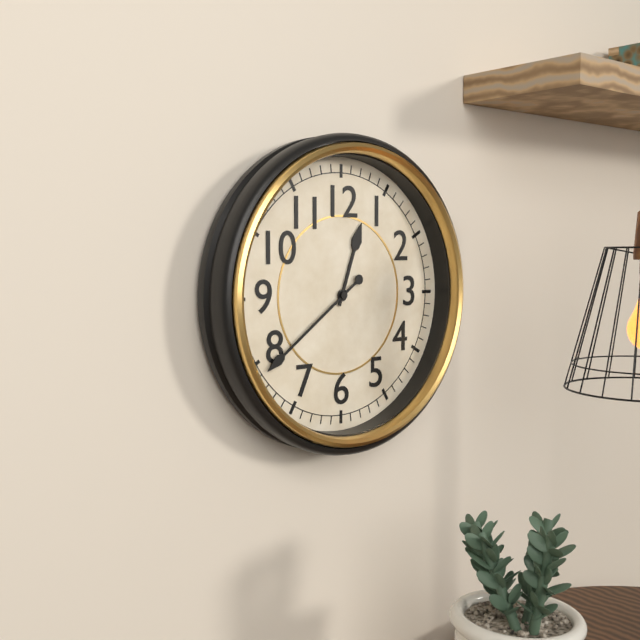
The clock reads 12.39
